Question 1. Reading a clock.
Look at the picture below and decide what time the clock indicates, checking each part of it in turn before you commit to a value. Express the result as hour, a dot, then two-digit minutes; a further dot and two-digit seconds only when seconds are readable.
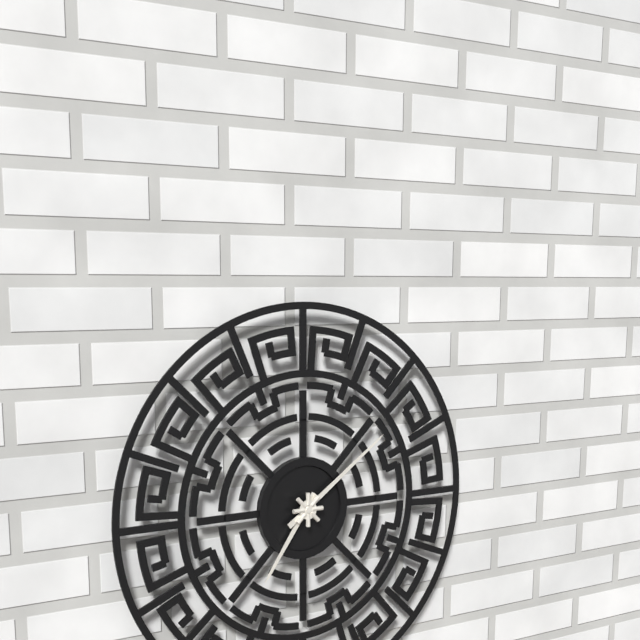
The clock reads 7.09
